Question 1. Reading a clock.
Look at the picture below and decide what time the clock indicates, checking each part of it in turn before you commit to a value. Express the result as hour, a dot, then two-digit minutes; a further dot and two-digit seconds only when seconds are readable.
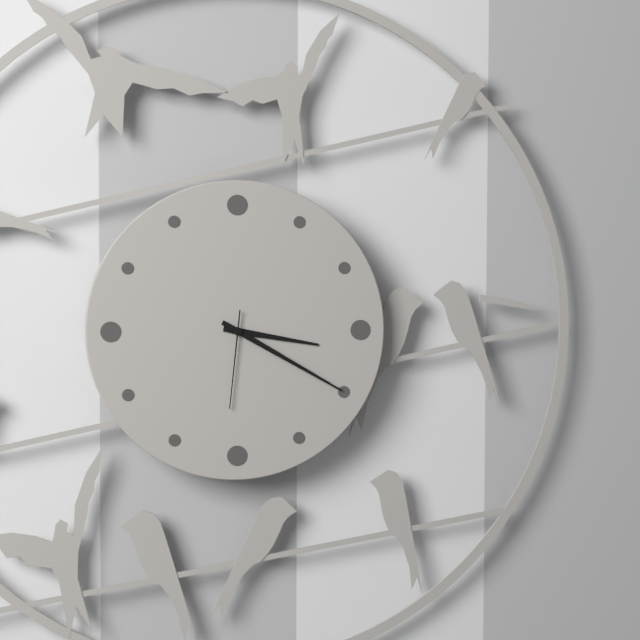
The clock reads 3.20.31
